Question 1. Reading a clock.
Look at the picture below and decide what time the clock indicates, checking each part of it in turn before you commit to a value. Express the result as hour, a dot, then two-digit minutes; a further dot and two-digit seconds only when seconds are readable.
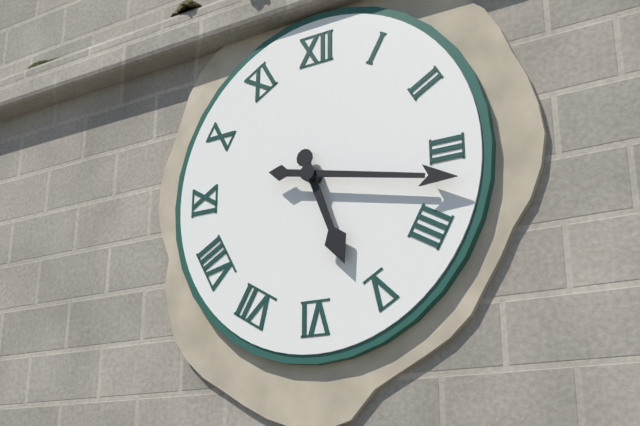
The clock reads 5.17
